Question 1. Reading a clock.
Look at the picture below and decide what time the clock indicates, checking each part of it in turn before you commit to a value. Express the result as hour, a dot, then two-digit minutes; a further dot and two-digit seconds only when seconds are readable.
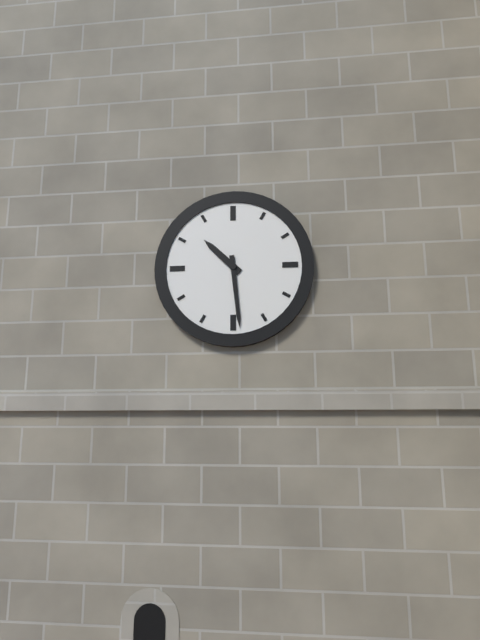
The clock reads 10.29
